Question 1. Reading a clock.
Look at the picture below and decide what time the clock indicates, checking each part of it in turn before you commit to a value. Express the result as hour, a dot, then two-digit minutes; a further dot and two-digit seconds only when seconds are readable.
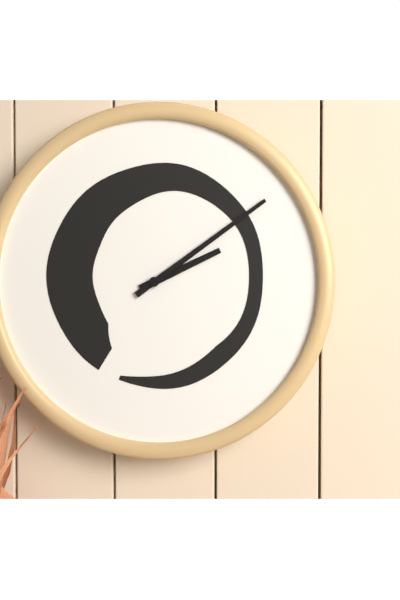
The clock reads 2.09
